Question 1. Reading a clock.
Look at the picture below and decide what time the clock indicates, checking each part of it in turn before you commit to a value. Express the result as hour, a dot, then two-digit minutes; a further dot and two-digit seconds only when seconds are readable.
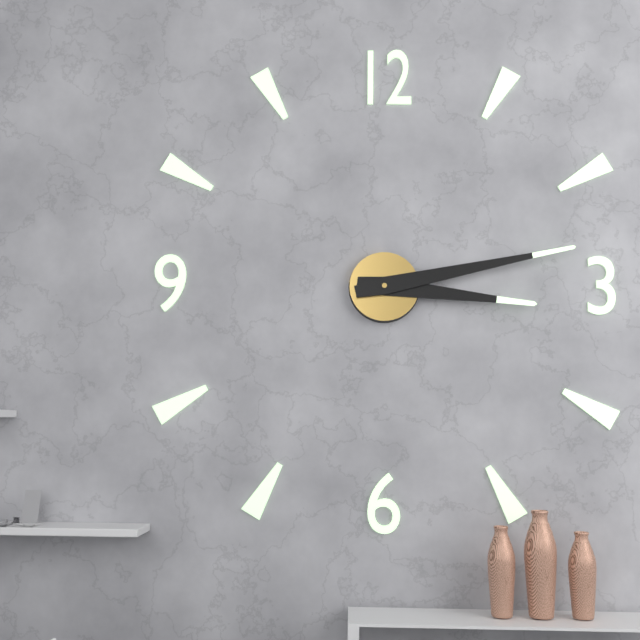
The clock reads 3.13
